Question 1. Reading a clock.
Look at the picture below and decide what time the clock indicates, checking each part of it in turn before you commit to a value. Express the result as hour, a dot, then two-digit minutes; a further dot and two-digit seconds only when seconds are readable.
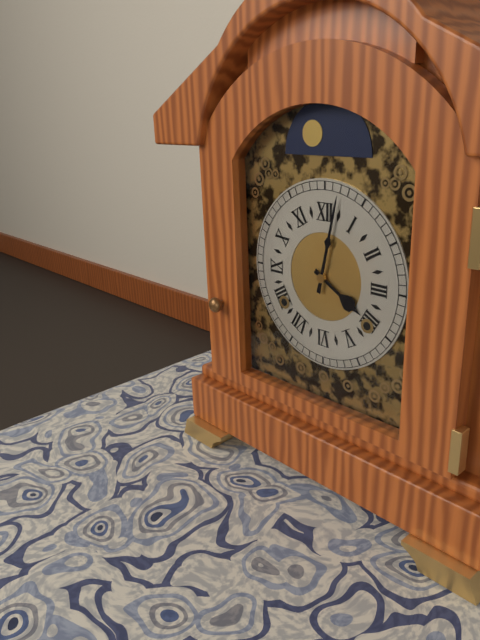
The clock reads 4.02
